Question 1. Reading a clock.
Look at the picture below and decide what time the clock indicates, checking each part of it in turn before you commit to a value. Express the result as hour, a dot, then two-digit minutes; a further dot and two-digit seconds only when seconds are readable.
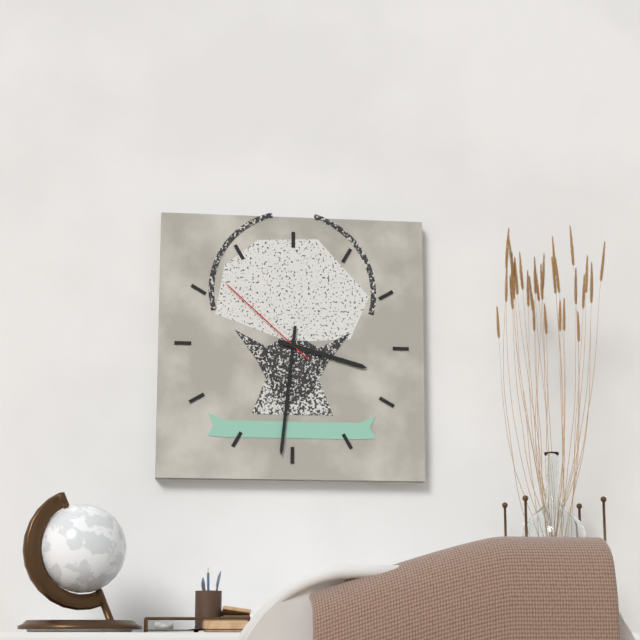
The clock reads 3.31.52
